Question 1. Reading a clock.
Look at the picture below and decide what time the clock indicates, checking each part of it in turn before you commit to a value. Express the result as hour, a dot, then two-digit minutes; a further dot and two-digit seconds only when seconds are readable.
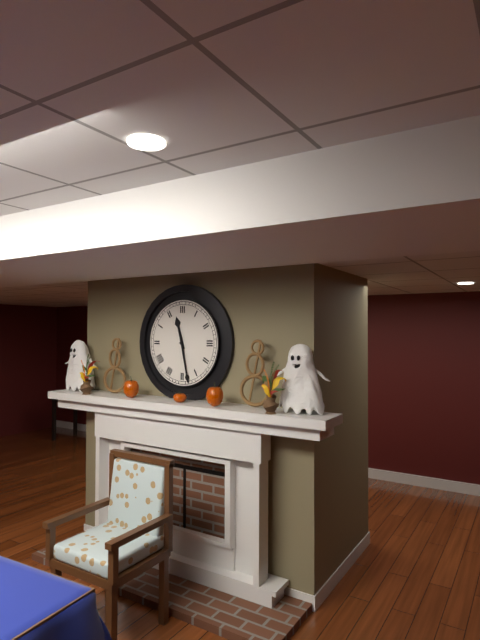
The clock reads 11.28
